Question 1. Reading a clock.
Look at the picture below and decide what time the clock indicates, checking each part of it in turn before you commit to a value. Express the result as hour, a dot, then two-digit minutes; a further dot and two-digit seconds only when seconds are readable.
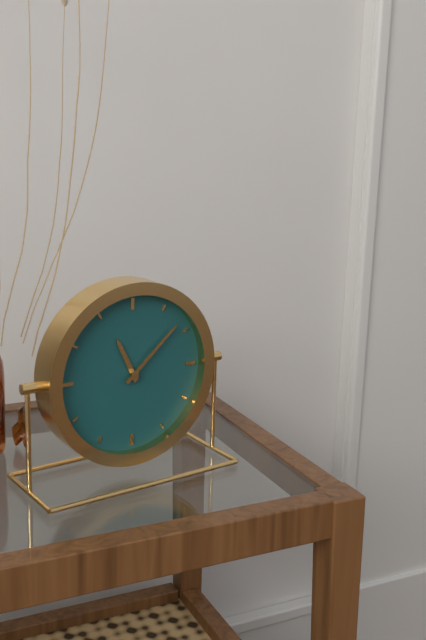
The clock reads 11.08
